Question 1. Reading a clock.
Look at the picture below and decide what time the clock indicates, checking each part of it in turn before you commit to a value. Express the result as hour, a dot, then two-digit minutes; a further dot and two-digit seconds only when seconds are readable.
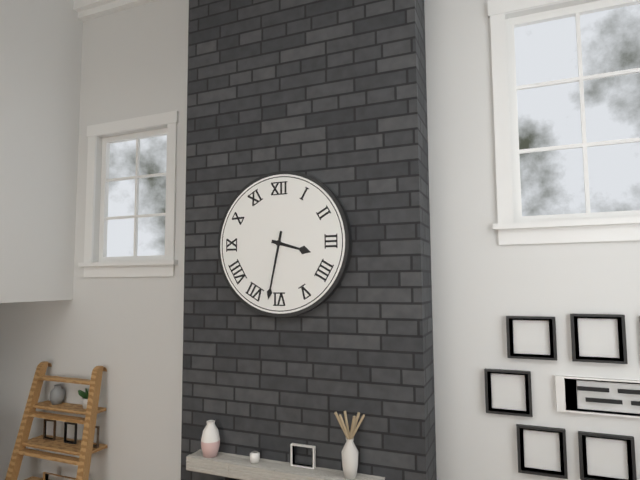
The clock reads 3.32
